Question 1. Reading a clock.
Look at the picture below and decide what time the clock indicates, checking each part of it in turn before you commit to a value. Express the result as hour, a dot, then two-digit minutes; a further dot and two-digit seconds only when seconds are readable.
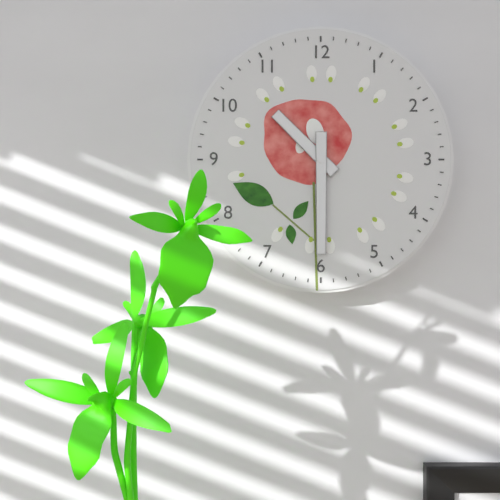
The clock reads 10.30
